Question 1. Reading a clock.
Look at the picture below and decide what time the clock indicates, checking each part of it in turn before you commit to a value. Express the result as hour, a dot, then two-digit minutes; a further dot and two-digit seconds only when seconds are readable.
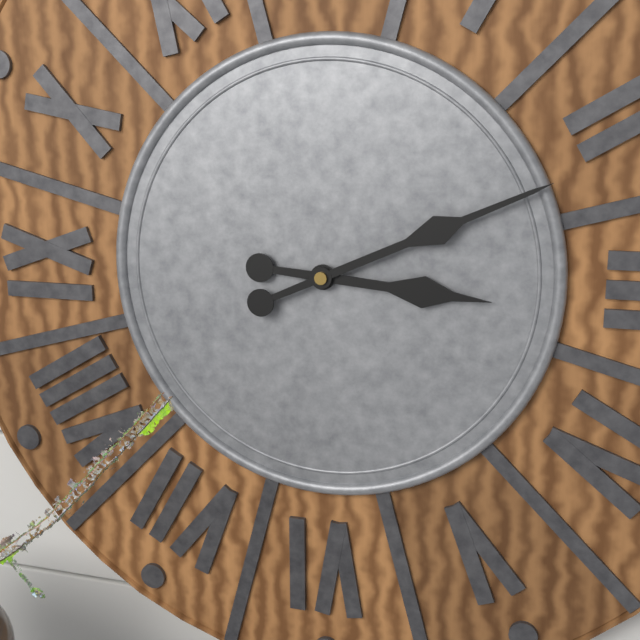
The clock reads 3.11
